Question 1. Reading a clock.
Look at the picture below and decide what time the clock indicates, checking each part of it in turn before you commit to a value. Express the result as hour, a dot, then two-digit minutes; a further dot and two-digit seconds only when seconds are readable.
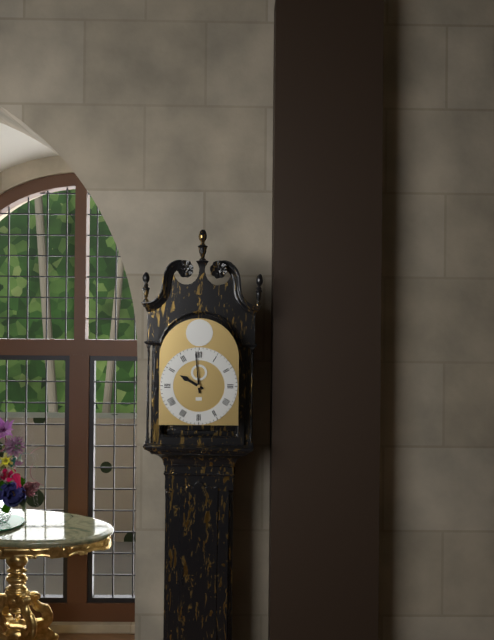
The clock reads 9.59
